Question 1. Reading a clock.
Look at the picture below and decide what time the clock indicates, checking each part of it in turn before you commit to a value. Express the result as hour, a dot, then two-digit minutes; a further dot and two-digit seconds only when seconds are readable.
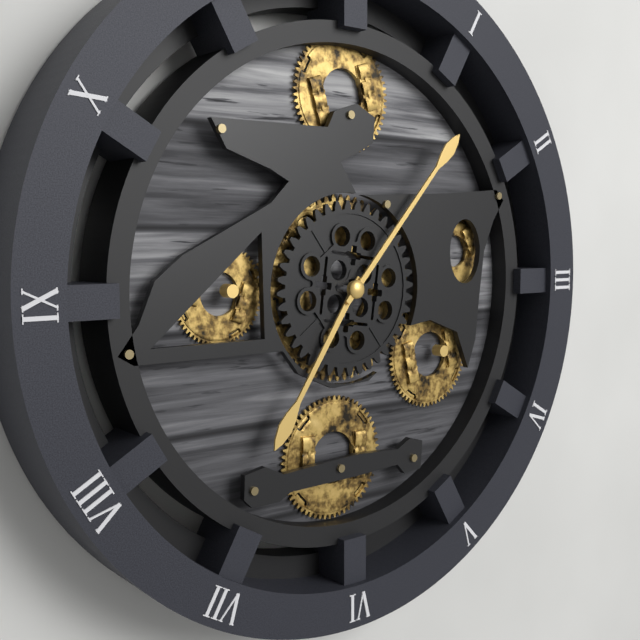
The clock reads 7.07
